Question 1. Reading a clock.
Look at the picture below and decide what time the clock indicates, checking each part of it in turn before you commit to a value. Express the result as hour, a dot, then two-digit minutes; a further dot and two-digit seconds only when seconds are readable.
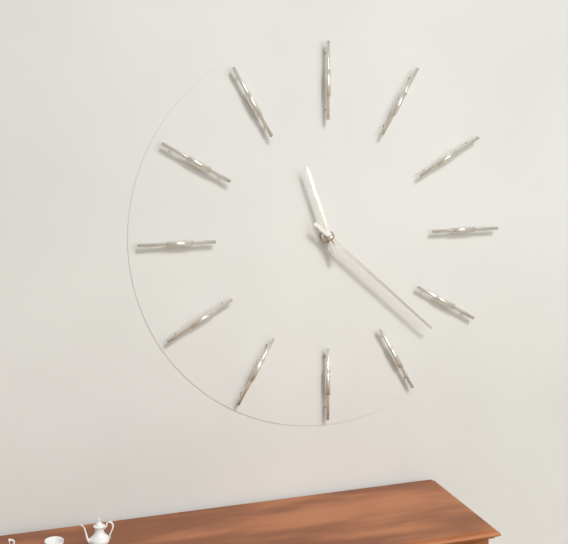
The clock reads 11.22
